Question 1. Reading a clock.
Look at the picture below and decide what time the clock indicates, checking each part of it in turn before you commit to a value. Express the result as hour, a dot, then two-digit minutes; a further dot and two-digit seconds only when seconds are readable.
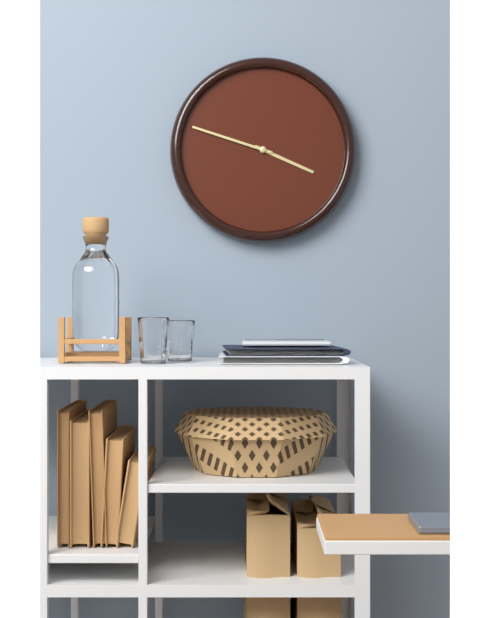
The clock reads 3.48
